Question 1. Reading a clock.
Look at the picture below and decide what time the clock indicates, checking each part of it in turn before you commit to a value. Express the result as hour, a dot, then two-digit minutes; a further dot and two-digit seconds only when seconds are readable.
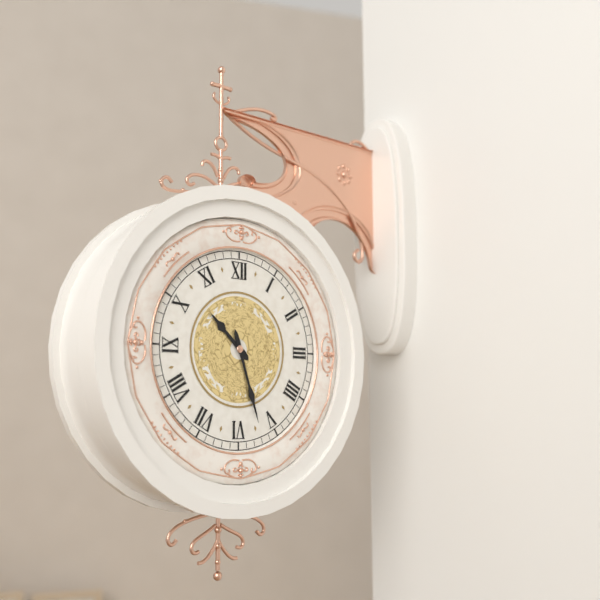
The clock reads 10.27
